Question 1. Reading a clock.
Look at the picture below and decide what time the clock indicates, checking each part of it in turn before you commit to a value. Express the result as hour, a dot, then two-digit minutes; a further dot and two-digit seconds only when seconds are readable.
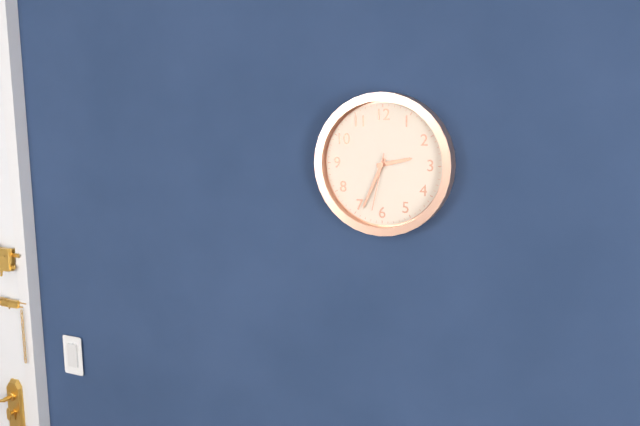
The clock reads 2.34.32
